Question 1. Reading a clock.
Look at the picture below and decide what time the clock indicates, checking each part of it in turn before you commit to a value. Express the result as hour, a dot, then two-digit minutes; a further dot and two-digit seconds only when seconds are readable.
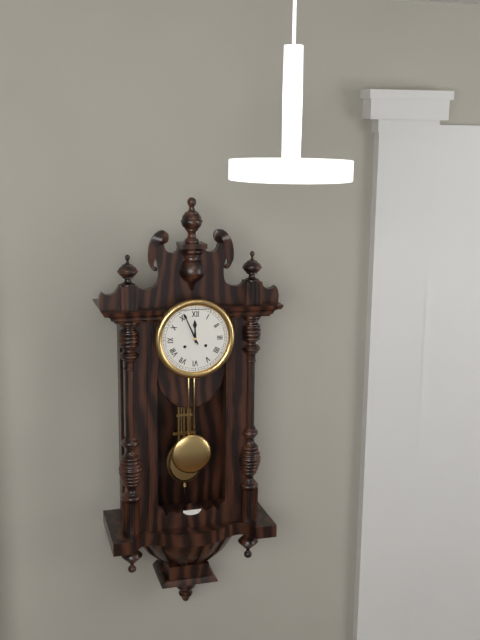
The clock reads 11.56
